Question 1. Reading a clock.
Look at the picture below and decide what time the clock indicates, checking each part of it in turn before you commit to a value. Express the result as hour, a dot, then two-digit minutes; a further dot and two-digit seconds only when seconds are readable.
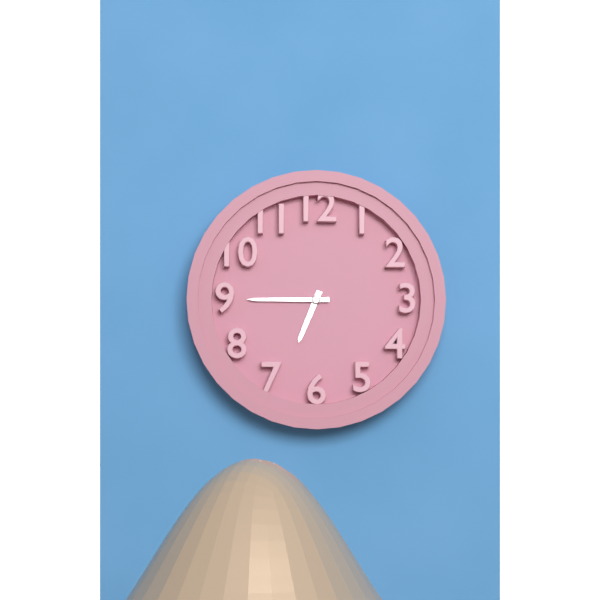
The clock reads 6.45
